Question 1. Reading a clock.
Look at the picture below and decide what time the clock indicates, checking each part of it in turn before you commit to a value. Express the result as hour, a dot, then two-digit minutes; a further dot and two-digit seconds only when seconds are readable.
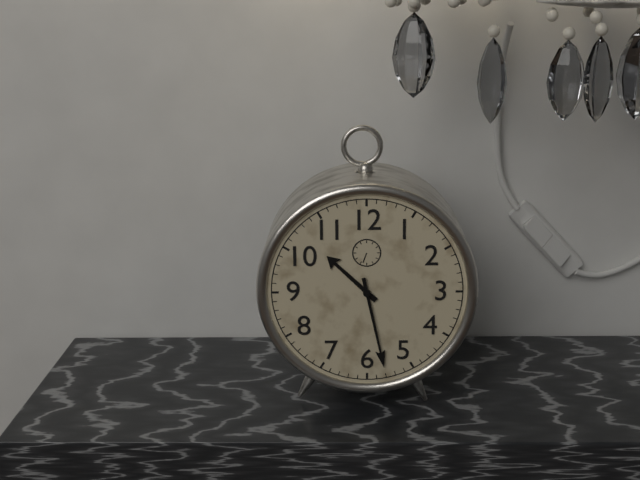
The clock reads 10.28
